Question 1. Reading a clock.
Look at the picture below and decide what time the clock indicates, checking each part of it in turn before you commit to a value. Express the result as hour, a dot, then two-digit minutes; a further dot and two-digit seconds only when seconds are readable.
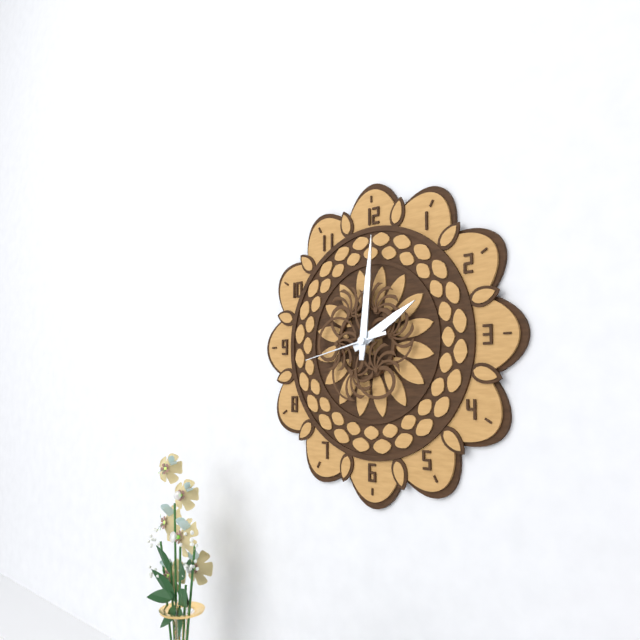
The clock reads 2.01.43
